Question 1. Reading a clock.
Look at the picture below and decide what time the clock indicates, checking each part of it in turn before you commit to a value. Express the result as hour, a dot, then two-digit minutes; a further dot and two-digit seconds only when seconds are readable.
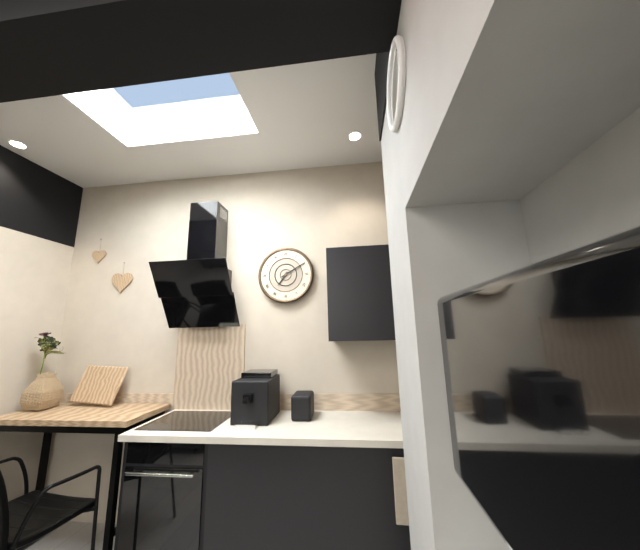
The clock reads 7.10
